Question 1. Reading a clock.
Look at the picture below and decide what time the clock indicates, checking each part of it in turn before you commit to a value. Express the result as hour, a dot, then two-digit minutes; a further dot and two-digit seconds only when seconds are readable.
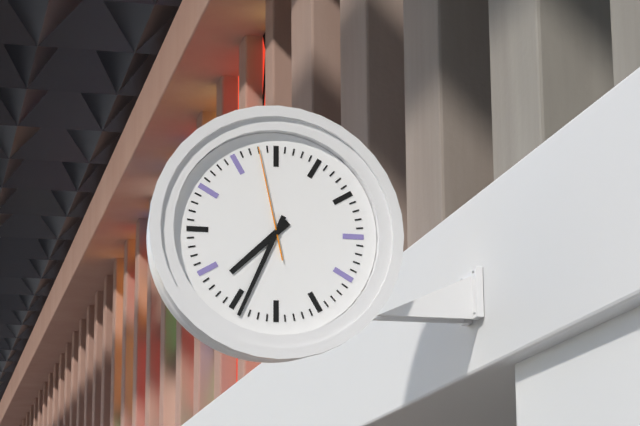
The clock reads 7.34.58
